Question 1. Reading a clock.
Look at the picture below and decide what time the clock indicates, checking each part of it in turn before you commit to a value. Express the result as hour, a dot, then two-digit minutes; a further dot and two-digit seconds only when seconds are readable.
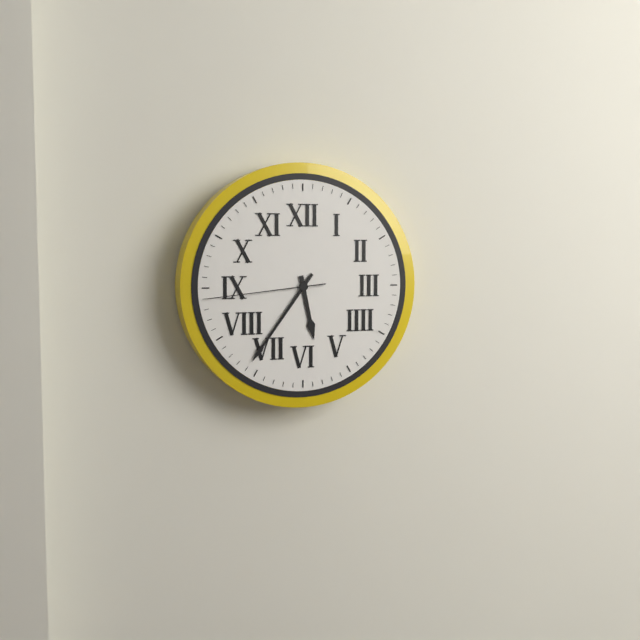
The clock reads 5.36.44
